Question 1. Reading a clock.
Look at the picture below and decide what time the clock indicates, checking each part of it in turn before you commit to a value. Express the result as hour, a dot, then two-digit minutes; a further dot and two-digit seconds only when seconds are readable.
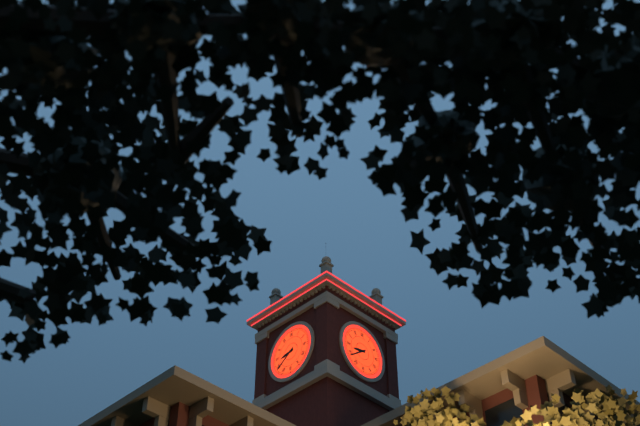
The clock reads 8.39
